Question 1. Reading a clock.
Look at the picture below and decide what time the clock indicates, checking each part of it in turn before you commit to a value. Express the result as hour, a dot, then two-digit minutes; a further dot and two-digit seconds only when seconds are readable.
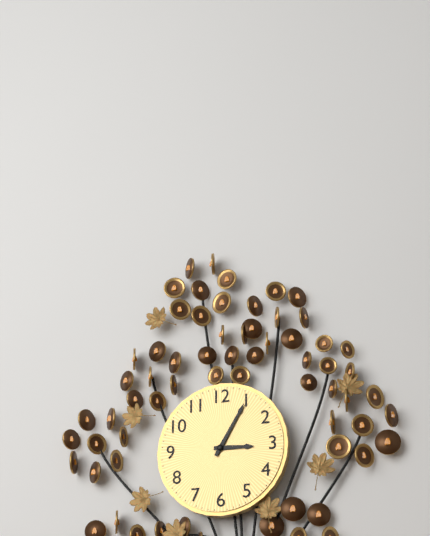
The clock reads 3.05
